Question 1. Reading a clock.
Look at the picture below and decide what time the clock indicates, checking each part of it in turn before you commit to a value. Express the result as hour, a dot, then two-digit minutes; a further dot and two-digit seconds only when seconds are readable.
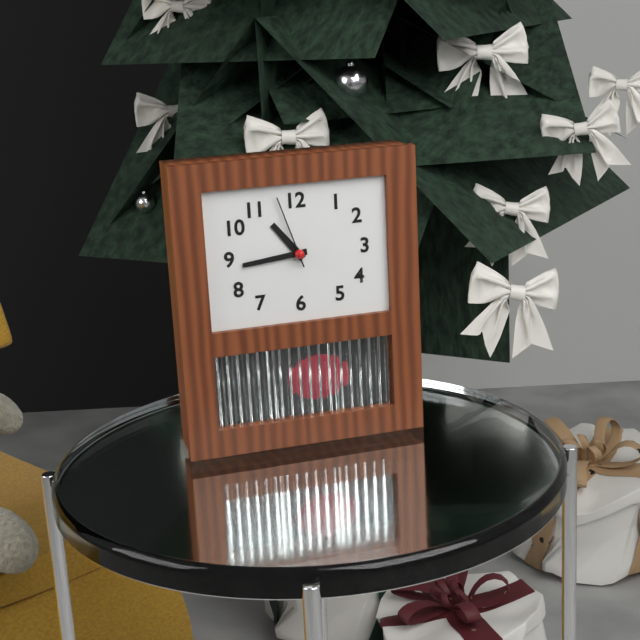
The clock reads 10.44.57
